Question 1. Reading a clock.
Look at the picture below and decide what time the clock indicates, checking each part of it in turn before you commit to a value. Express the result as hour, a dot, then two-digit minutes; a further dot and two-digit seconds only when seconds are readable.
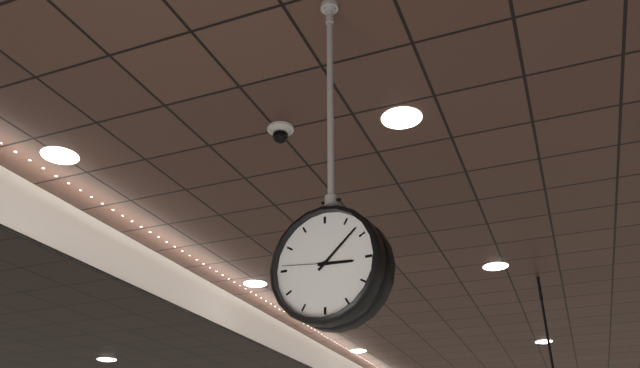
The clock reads 3.08.46
